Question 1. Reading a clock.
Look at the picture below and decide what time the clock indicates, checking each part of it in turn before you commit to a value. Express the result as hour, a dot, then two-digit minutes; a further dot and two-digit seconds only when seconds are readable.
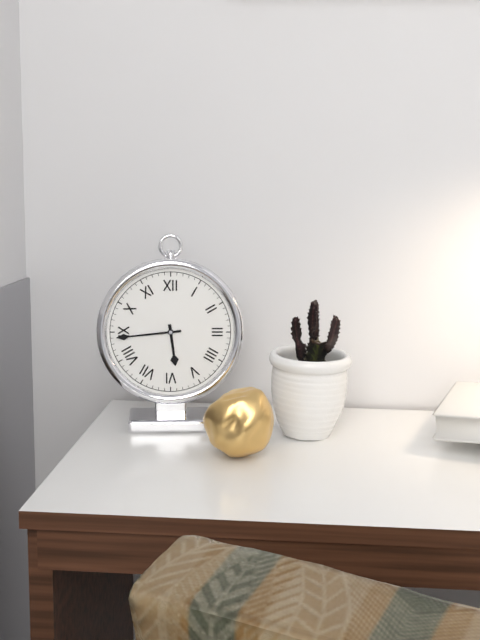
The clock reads 5.44
